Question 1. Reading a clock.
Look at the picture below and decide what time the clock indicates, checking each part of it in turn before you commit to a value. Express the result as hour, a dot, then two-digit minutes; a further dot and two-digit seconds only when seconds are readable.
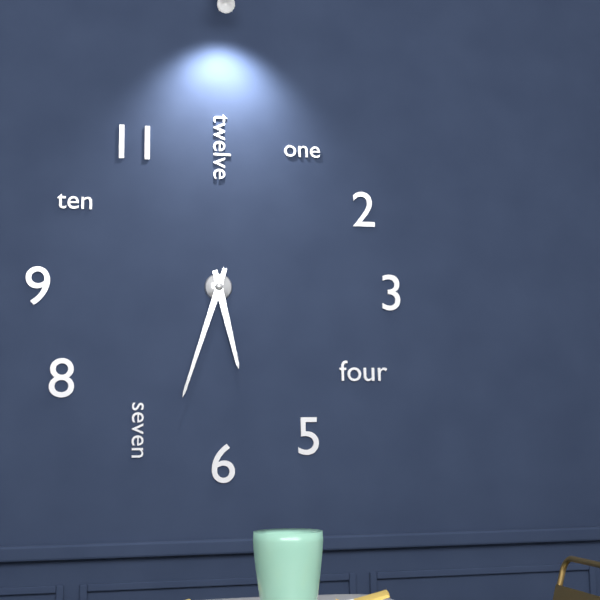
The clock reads 5.33
